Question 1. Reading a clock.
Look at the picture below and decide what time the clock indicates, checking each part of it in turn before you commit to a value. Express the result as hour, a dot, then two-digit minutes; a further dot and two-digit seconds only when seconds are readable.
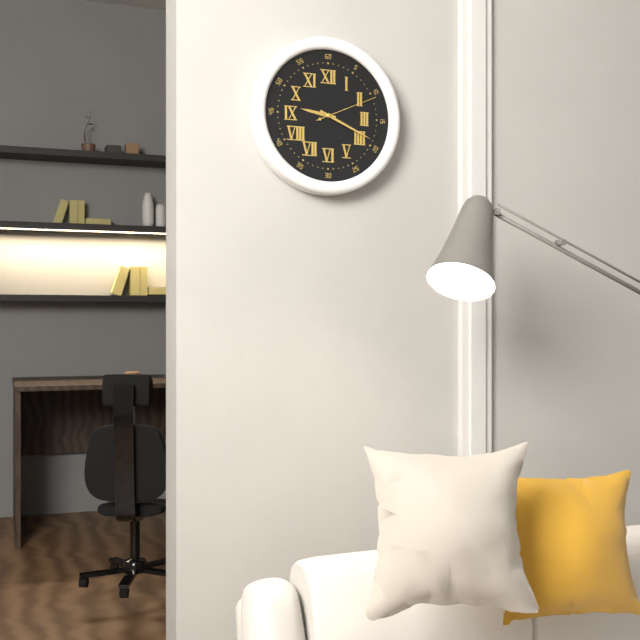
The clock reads 9.19.11
